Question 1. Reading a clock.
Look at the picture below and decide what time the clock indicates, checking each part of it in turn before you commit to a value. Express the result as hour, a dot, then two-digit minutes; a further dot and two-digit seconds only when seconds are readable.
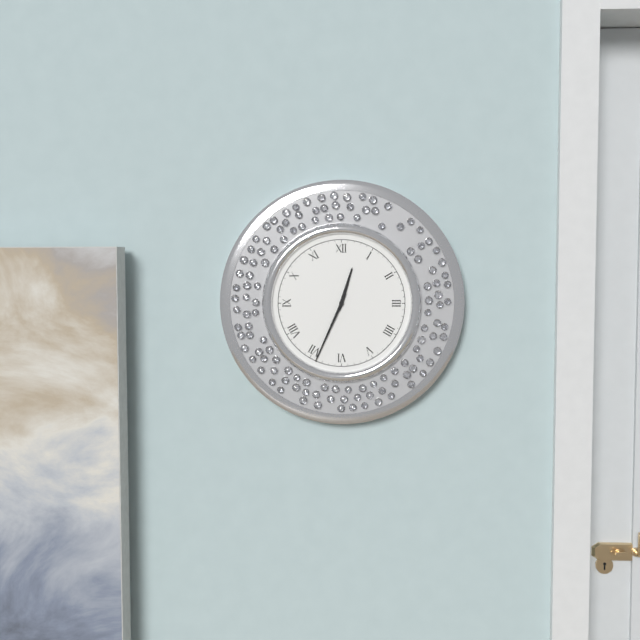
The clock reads 12.34
